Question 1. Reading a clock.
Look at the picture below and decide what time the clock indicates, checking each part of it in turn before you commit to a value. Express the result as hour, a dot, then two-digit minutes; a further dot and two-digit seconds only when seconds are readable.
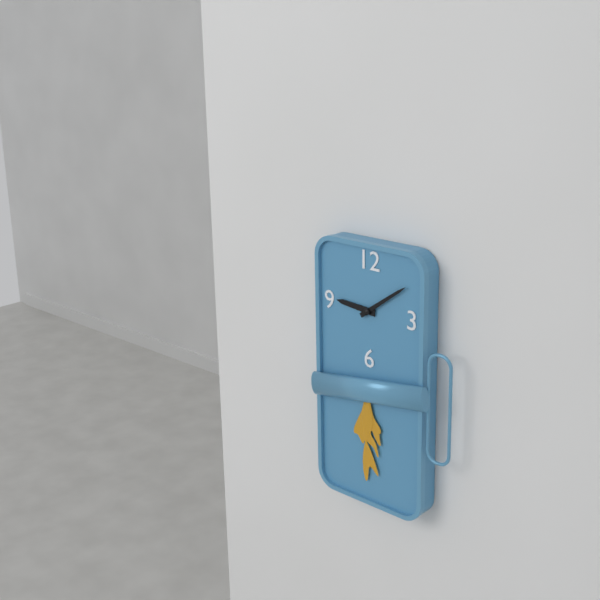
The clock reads 9.09
